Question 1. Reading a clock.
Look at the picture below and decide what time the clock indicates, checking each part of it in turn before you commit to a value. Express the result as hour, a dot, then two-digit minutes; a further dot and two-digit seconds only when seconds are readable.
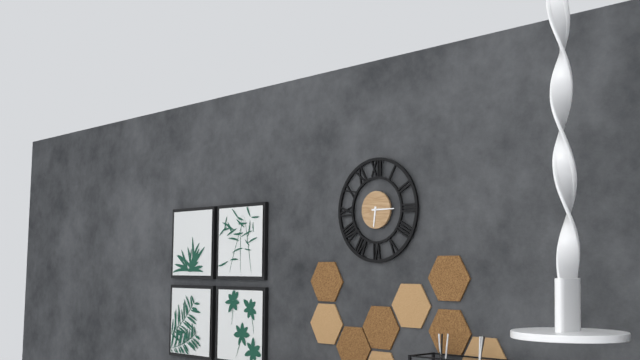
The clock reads 6.15
